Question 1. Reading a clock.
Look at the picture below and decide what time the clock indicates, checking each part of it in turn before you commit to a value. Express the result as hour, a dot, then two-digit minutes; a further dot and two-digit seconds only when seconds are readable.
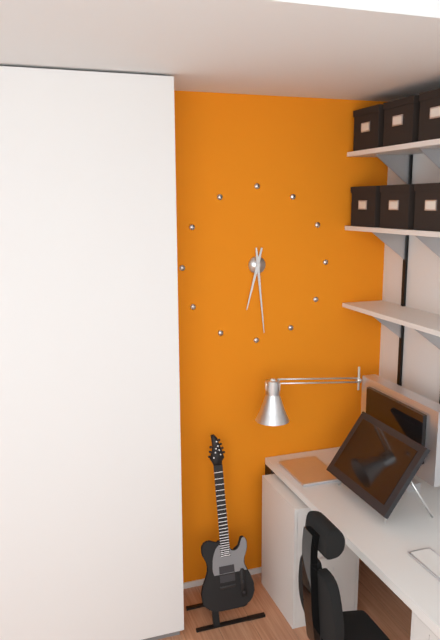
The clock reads 6.29
